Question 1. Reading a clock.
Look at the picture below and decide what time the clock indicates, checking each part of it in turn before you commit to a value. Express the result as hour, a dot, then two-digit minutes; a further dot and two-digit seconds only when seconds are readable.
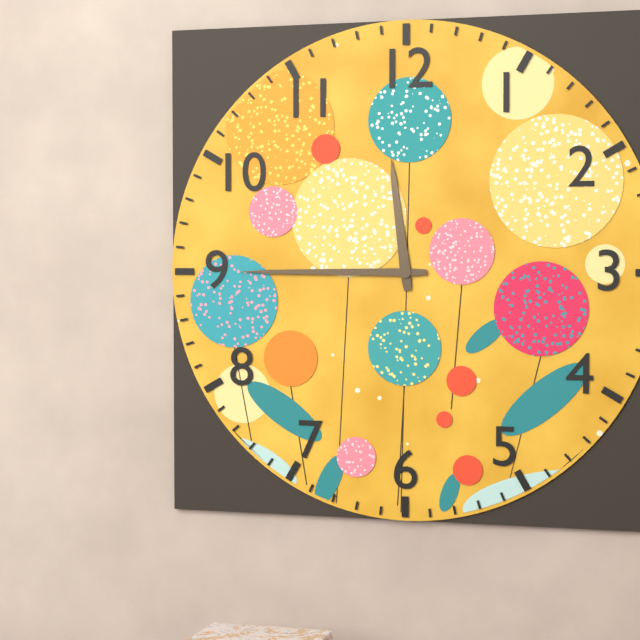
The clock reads 11.45
